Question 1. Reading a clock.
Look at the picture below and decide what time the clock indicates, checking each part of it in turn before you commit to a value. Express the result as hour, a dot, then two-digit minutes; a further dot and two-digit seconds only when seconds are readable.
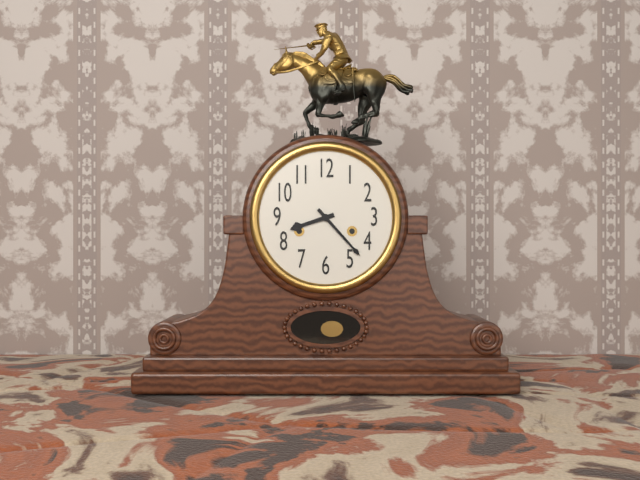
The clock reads 8.23
